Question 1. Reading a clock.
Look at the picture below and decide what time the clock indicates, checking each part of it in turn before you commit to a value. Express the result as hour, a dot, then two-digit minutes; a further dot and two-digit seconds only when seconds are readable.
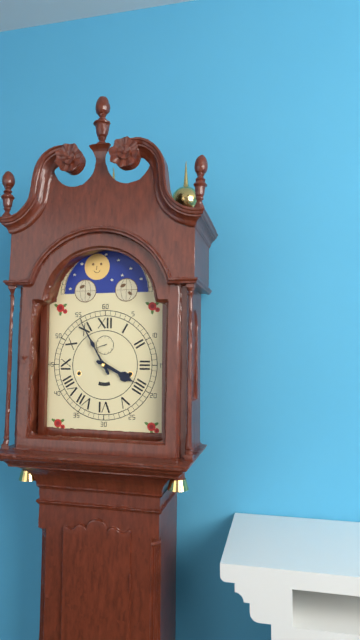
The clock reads 3.55
